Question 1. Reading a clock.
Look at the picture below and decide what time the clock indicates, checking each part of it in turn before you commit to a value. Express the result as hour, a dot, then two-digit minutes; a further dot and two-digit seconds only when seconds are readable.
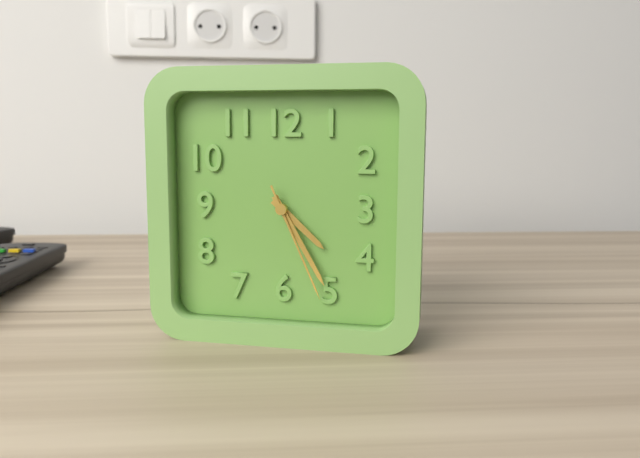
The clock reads 4.25.26
